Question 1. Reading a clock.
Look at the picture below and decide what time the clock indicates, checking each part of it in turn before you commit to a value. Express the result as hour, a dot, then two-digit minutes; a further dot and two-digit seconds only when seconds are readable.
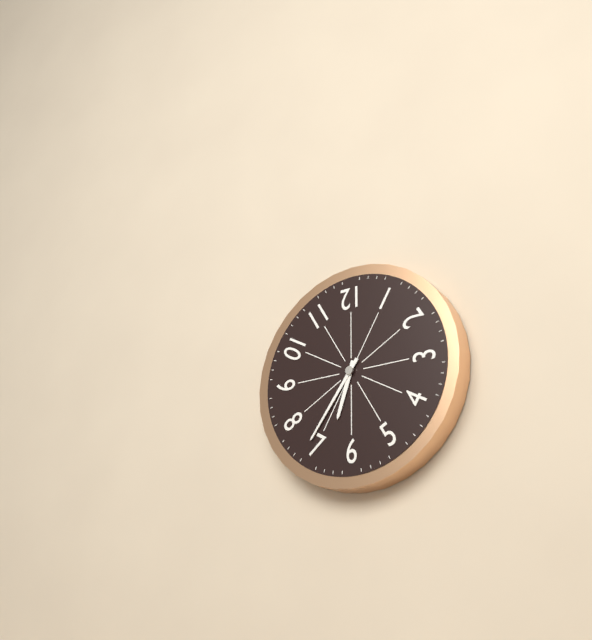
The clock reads 6.36
